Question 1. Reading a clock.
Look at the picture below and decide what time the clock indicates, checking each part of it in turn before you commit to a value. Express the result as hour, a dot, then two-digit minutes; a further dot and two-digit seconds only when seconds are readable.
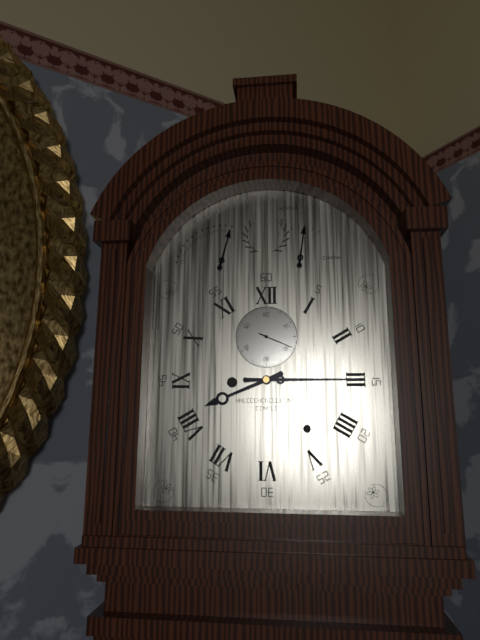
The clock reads 8.15
